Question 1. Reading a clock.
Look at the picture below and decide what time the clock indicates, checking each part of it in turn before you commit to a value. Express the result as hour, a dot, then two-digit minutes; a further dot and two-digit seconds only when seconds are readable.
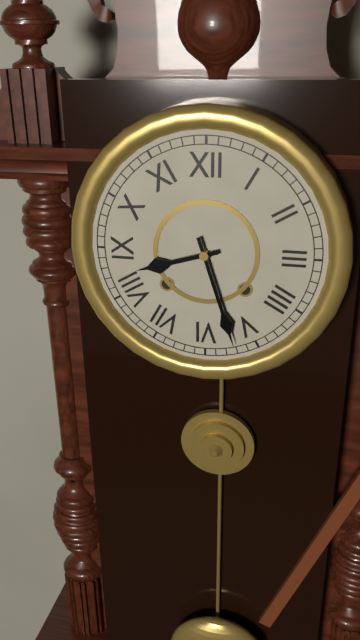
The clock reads 8.27
